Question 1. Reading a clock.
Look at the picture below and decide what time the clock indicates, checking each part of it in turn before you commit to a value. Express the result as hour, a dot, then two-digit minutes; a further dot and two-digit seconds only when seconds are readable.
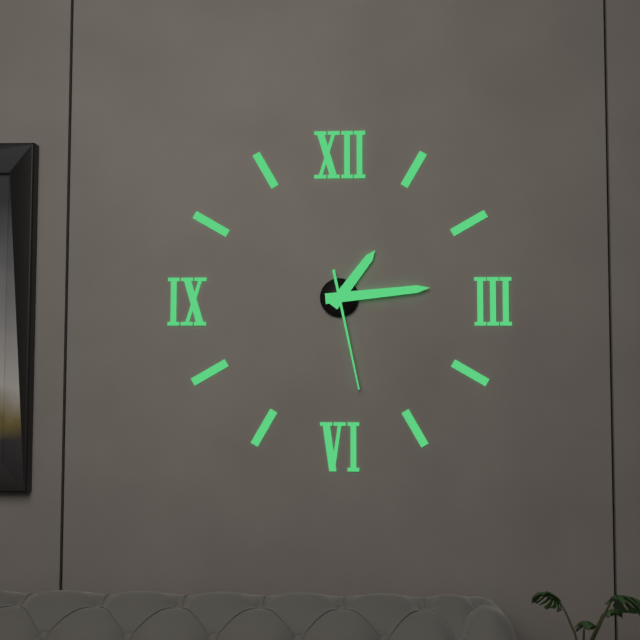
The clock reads 1.14.28
